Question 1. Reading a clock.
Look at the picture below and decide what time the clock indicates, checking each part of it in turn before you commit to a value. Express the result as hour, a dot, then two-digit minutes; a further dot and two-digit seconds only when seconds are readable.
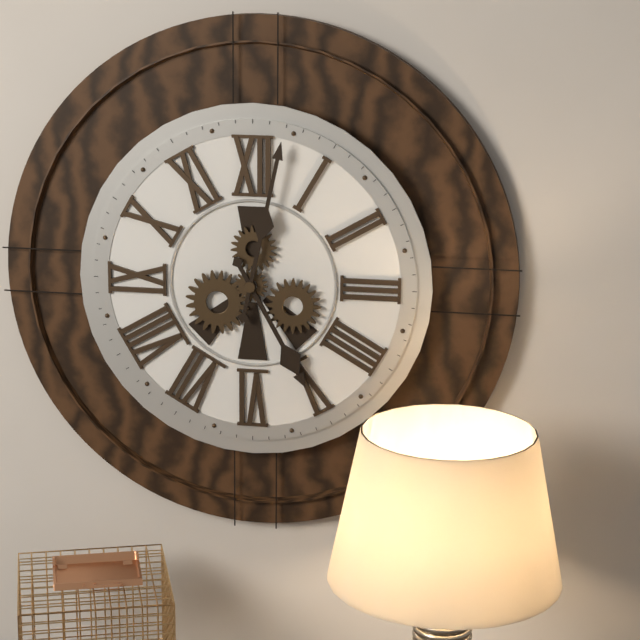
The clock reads 5.02
